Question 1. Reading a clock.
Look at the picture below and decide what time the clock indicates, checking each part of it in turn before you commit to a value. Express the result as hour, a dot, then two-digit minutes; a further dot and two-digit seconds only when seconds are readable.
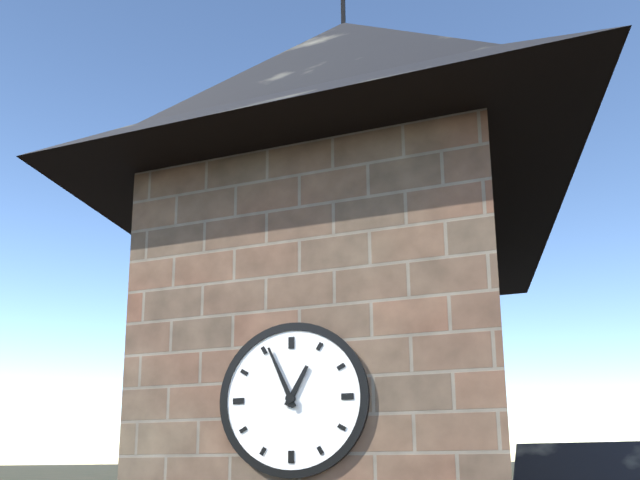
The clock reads 12.56
